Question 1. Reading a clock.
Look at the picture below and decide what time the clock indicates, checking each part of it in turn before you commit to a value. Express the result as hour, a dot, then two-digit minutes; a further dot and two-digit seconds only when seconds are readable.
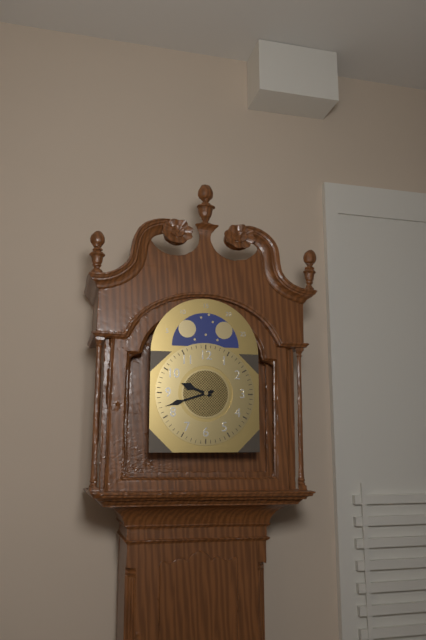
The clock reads 9.42
